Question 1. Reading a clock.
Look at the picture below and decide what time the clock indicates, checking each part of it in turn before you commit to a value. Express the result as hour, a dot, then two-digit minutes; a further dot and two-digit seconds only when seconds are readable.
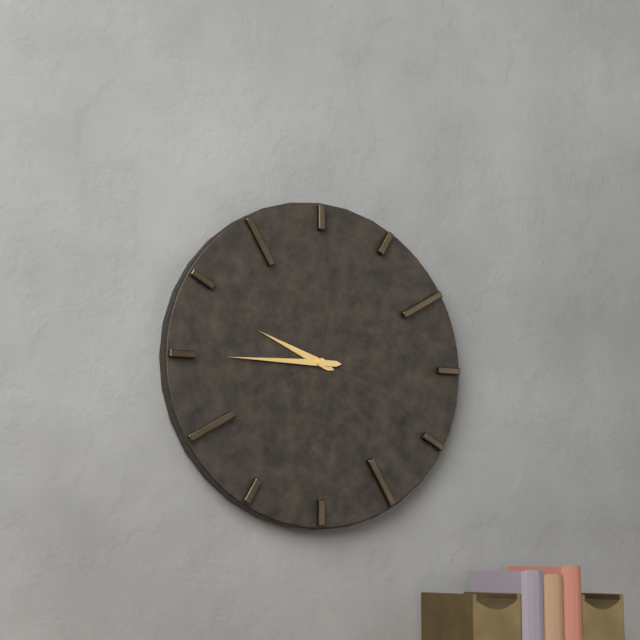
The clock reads 9.45
